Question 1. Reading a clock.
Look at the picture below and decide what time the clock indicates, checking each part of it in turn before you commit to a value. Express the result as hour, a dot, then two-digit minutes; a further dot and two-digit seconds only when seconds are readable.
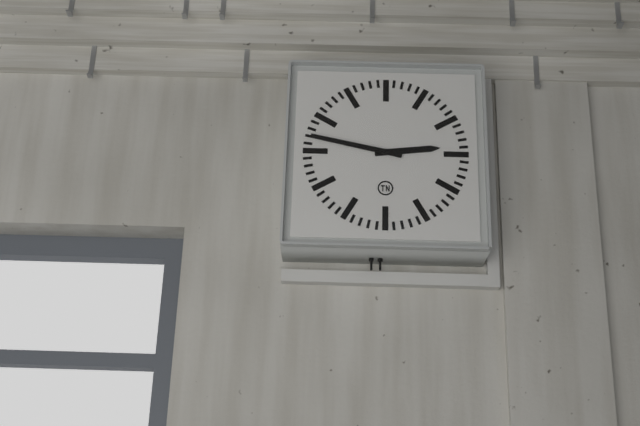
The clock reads 2.47
